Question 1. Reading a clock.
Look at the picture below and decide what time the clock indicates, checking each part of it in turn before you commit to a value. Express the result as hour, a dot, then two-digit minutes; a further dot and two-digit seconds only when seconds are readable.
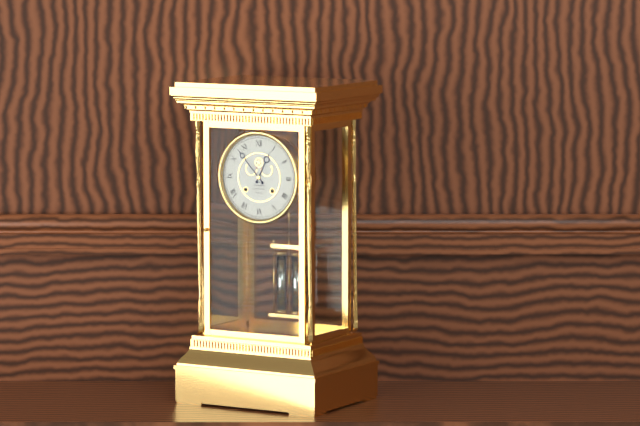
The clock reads 12.53
